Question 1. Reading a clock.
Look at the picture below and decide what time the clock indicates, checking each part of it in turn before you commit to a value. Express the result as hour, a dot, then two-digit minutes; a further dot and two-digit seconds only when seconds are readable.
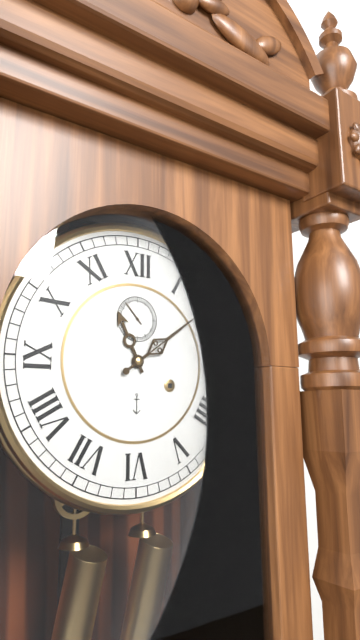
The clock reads 11.09
